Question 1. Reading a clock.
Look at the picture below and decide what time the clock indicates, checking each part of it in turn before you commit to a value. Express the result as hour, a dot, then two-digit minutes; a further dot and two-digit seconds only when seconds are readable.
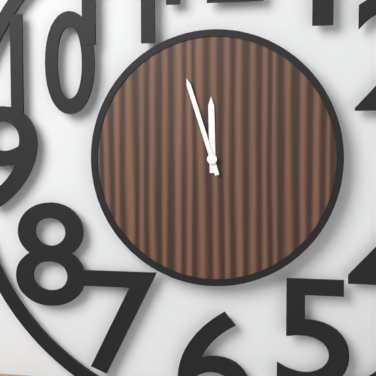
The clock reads 11.57
